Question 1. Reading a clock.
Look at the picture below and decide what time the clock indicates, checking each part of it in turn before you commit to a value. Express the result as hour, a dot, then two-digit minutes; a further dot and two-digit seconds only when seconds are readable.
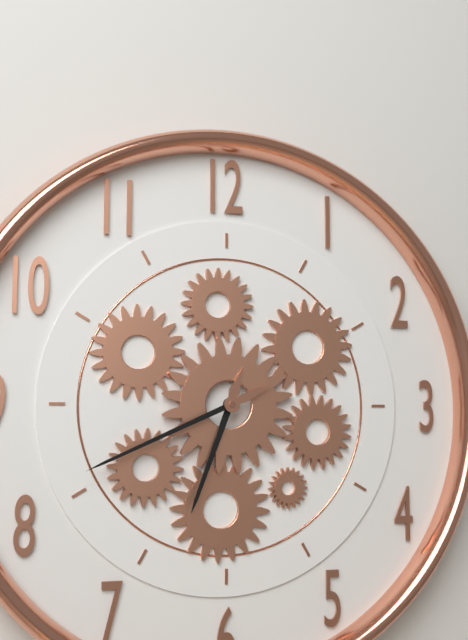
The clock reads 6.41
